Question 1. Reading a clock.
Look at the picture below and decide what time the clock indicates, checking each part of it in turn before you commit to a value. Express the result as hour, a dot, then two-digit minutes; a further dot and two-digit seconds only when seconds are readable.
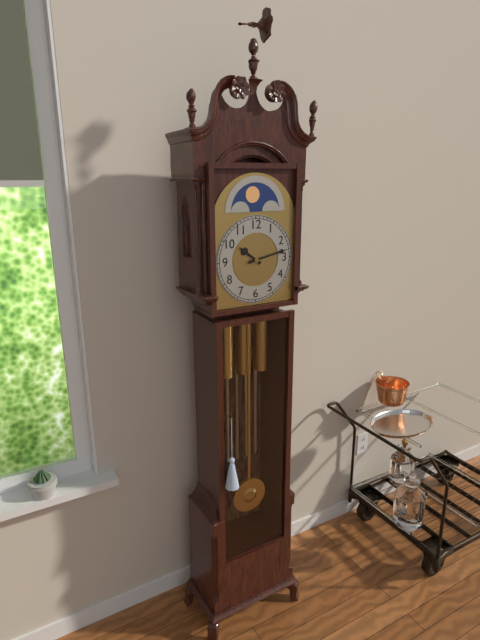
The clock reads 10.13
